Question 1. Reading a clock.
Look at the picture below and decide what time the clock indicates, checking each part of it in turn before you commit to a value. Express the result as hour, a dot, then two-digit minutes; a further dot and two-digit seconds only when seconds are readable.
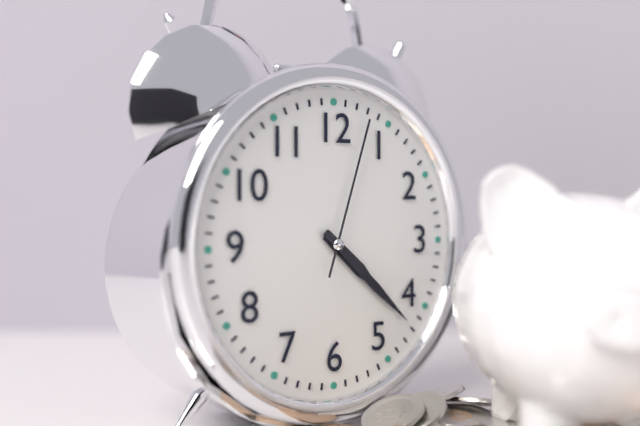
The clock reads 4.22.03
